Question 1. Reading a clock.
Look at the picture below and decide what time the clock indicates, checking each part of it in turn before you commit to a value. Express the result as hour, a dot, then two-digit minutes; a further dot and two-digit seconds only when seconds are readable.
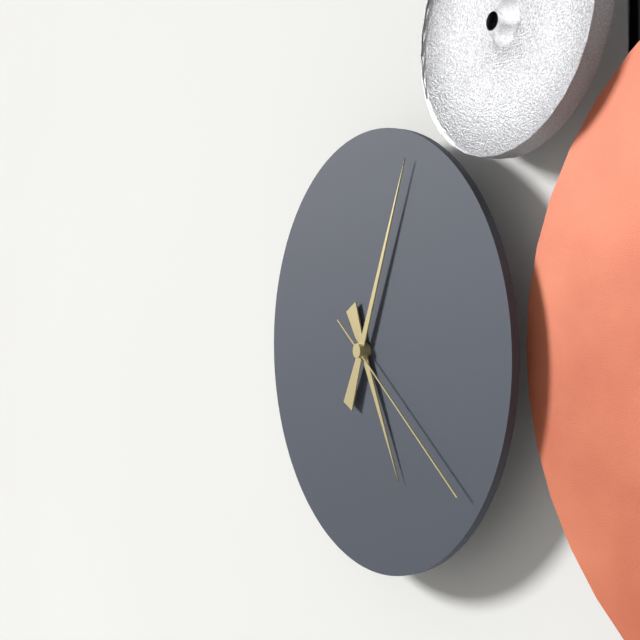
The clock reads 5.04.21
